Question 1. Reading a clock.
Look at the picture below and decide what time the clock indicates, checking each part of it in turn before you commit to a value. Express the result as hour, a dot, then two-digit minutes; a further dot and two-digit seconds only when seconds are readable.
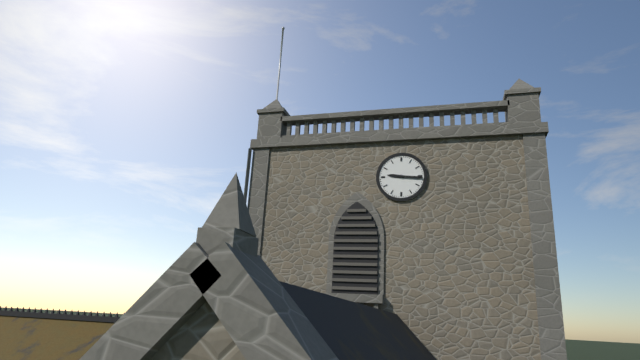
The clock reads 9.16
